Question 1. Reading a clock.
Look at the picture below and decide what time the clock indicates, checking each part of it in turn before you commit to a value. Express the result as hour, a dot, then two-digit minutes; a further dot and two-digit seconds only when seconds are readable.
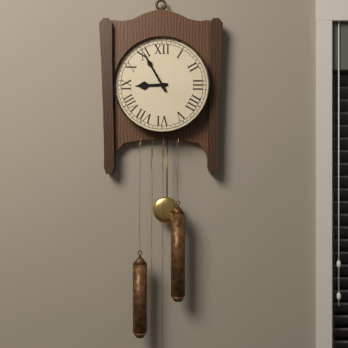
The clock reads 8.55
